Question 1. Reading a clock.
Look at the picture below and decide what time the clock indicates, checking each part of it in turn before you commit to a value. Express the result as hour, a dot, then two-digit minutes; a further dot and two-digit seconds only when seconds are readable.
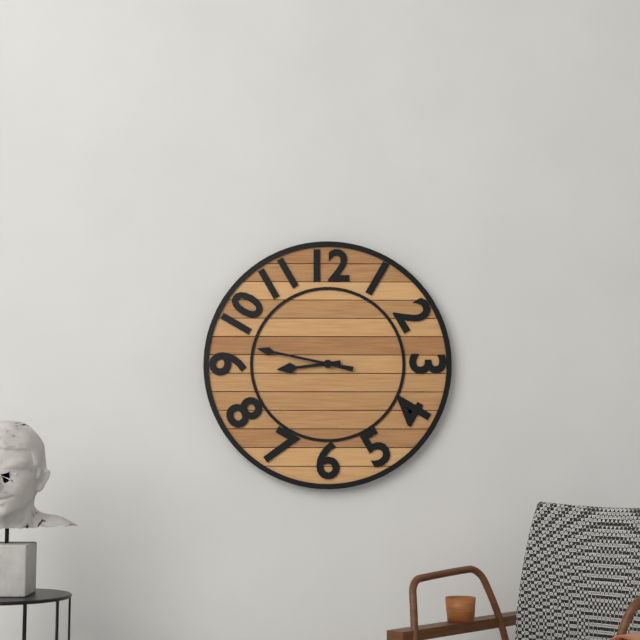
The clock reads 8.47
